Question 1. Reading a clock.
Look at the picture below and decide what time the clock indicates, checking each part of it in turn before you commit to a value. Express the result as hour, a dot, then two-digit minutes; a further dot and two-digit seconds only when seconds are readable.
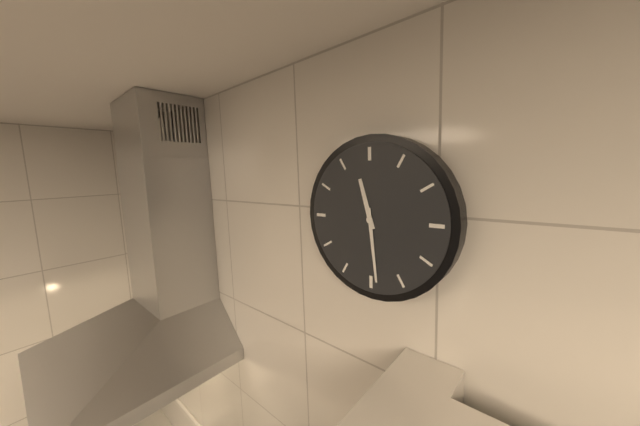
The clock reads 11.29
